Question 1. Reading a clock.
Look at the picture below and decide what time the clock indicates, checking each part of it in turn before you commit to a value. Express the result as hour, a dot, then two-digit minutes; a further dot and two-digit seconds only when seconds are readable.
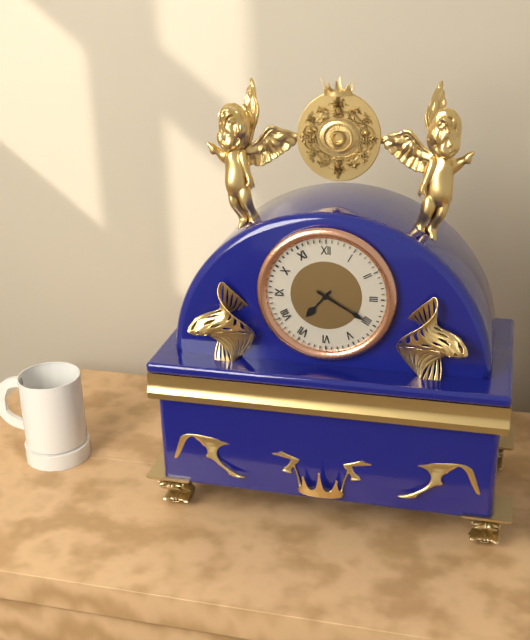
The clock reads 7.20
